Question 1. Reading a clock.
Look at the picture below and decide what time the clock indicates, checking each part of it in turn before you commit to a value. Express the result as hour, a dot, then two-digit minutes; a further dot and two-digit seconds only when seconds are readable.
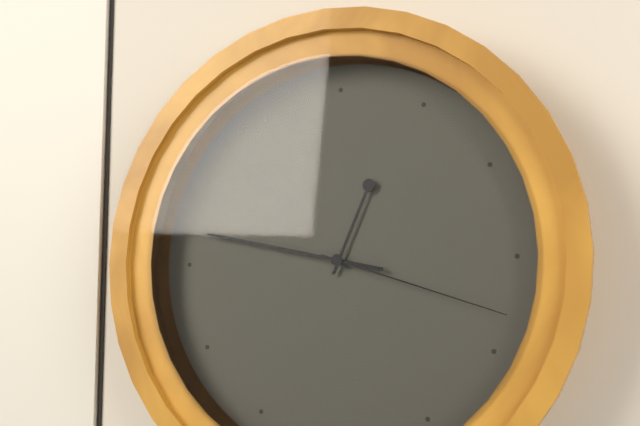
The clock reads 12.47.18
